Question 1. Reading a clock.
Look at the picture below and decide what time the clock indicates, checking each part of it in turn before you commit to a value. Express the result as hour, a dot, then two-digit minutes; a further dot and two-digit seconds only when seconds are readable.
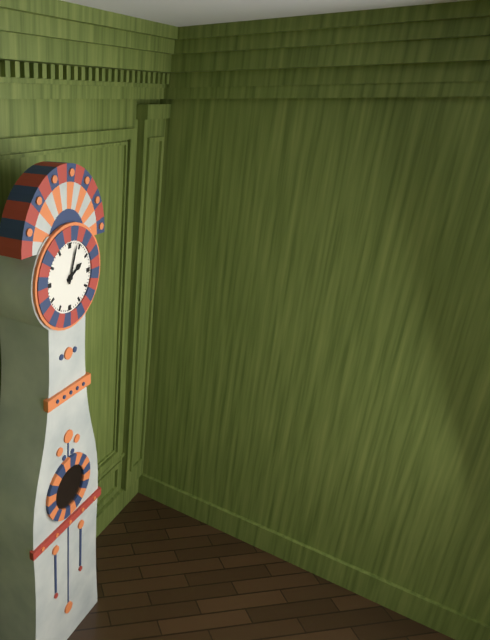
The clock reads 2.03
